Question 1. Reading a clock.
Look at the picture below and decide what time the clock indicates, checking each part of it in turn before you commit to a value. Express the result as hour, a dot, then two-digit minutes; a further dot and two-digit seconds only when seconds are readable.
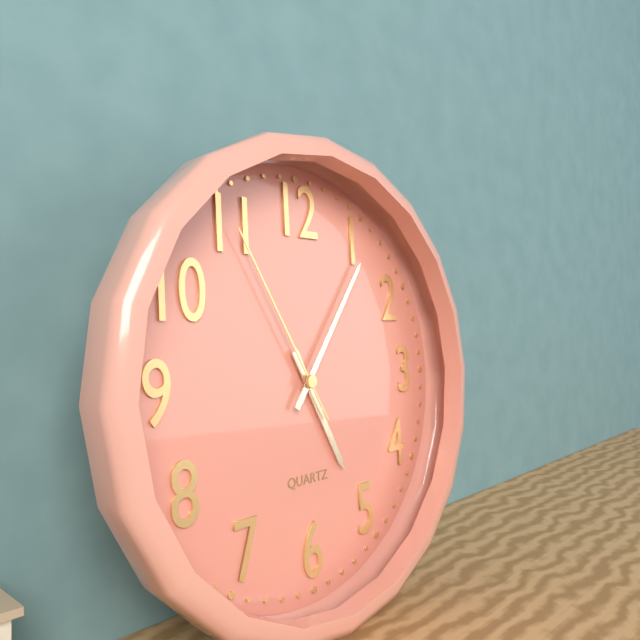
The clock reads 5.06.55
